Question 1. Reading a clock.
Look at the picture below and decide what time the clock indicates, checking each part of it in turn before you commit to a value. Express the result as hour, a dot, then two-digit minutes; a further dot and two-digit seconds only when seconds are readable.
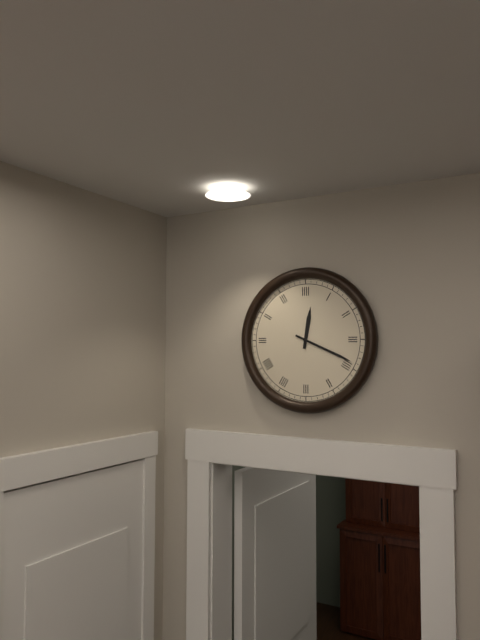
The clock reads 12.19
